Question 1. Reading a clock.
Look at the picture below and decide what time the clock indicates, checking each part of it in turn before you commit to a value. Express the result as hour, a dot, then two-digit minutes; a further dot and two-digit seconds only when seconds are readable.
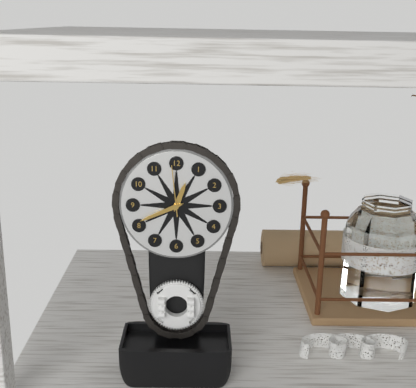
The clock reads 12.41.59
